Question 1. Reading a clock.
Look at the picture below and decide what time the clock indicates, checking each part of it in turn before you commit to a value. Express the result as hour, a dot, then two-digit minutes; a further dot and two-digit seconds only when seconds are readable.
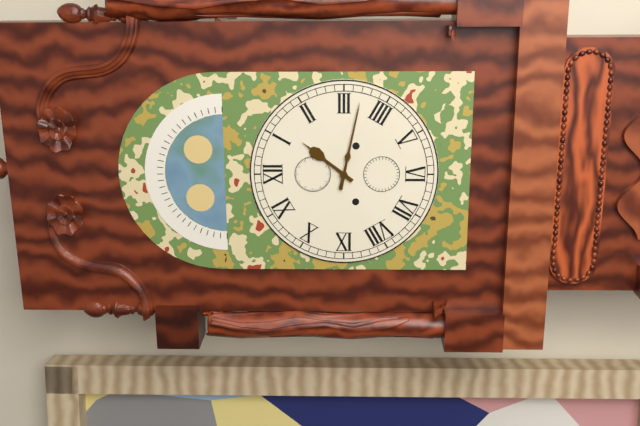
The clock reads 1.17
